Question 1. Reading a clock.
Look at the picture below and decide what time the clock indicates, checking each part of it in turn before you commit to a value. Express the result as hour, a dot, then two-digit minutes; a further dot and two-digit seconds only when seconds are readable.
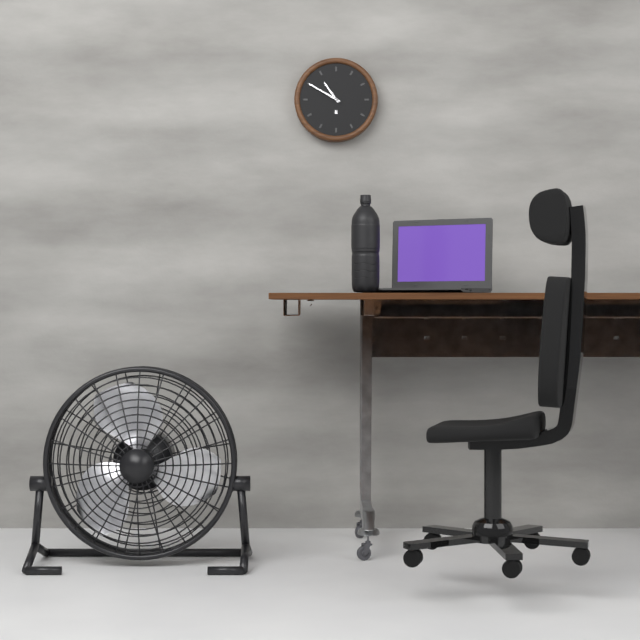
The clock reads 10.50
